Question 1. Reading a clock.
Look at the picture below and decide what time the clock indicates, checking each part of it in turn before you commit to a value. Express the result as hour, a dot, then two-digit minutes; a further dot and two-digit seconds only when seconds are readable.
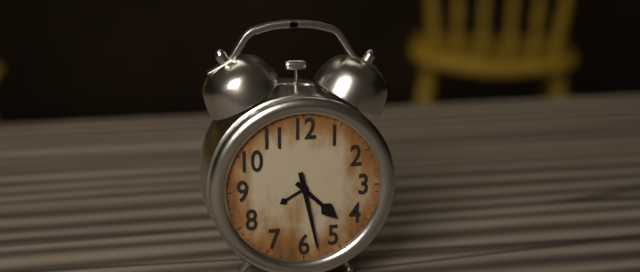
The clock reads 4.28
